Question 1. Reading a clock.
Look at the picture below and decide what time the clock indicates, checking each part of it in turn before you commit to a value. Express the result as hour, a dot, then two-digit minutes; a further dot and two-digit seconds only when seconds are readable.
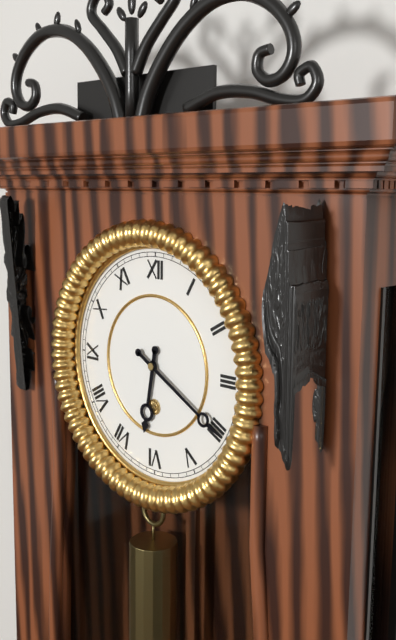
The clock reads 6.20
